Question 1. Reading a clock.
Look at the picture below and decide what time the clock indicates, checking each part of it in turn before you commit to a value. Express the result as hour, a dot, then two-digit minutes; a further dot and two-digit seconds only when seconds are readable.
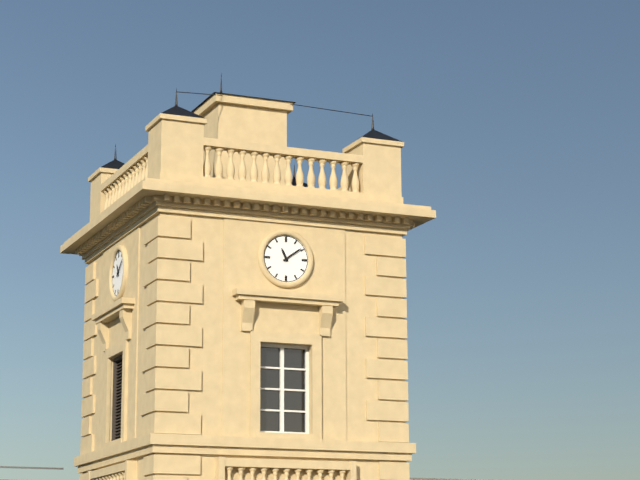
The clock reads 11.09
